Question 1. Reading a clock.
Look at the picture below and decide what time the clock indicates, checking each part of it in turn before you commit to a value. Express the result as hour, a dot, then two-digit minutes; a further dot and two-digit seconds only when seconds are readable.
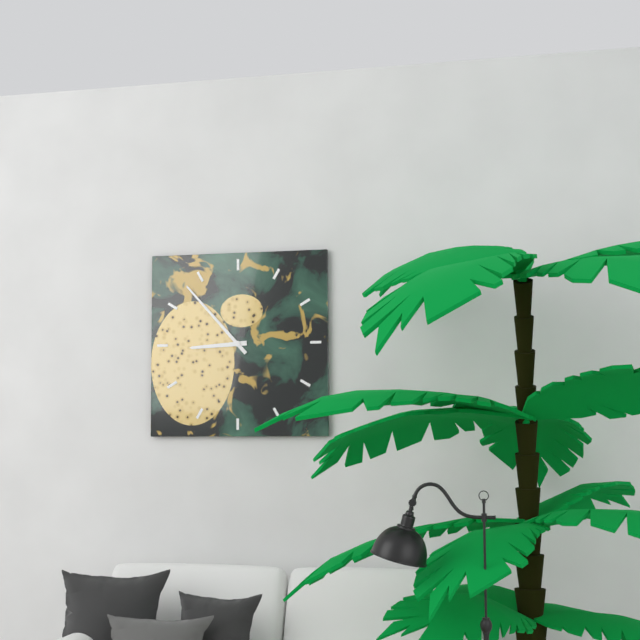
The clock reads 8.53
